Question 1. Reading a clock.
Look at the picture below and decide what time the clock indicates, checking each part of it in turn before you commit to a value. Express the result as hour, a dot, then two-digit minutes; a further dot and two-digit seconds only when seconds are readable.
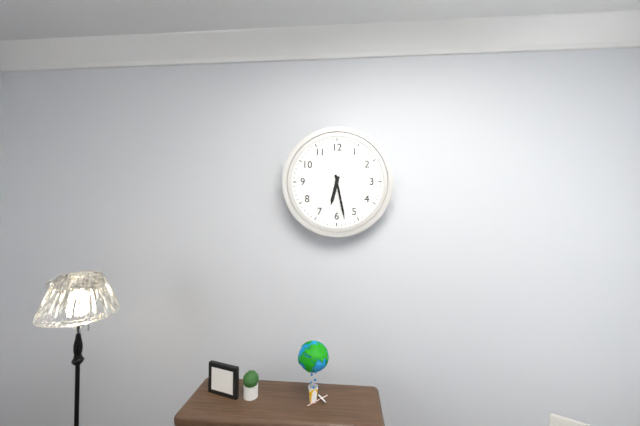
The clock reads 6.28
